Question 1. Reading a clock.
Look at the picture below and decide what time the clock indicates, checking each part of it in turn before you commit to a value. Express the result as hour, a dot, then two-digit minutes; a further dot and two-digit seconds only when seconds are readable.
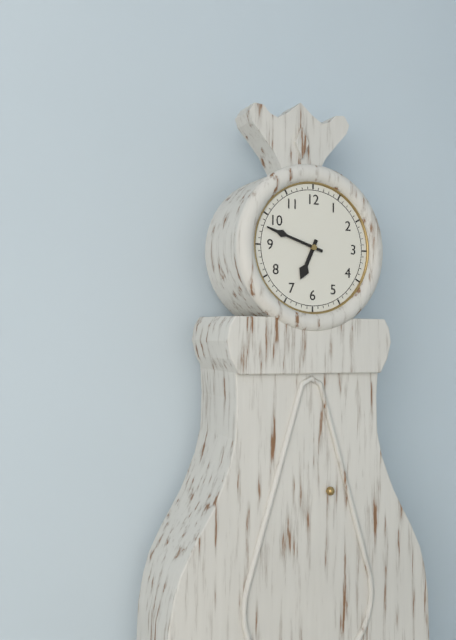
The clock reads 6.48
